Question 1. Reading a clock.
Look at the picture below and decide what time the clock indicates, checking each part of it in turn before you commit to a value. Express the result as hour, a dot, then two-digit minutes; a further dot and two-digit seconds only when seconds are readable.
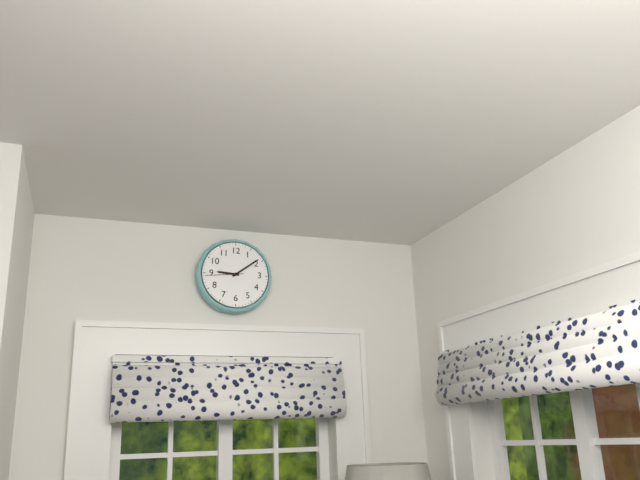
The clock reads 9.09
